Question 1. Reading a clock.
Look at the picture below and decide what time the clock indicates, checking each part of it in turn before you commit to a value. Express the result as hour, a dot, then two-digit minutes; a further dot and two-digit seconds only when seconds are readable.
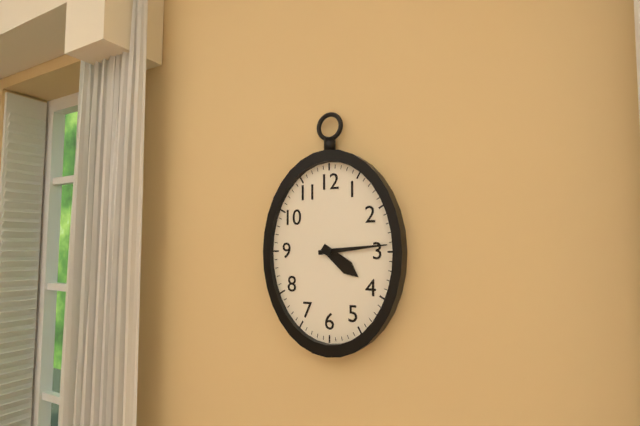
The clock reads 4.14
